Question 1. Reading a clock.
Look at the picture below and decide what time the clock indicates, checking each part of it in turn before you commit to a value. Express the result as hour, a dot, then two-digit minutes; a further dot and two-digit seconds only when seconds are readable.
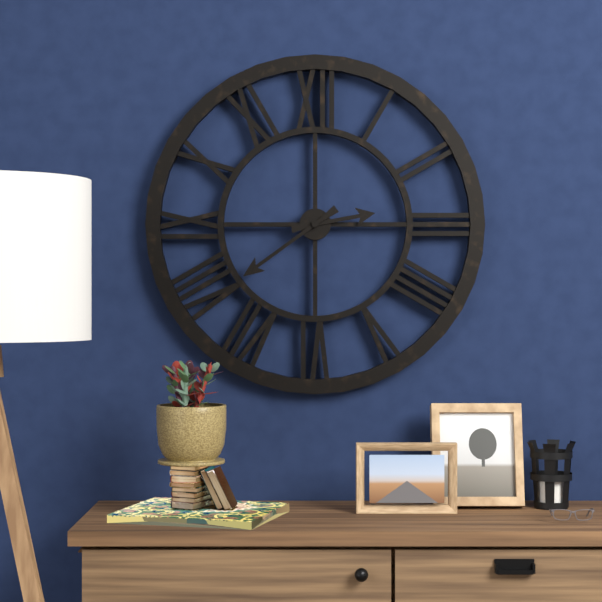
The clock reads 2.39
